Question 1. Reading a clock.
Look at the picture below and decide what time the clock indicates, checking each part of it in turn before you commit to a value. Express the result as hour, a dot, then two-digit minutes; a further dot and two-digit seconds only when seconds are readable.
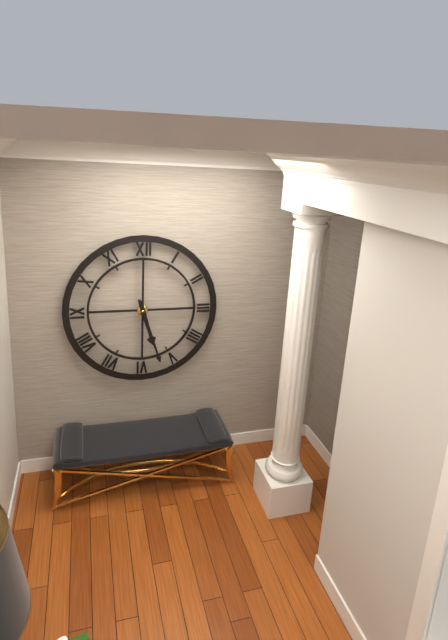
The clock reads 5.27
